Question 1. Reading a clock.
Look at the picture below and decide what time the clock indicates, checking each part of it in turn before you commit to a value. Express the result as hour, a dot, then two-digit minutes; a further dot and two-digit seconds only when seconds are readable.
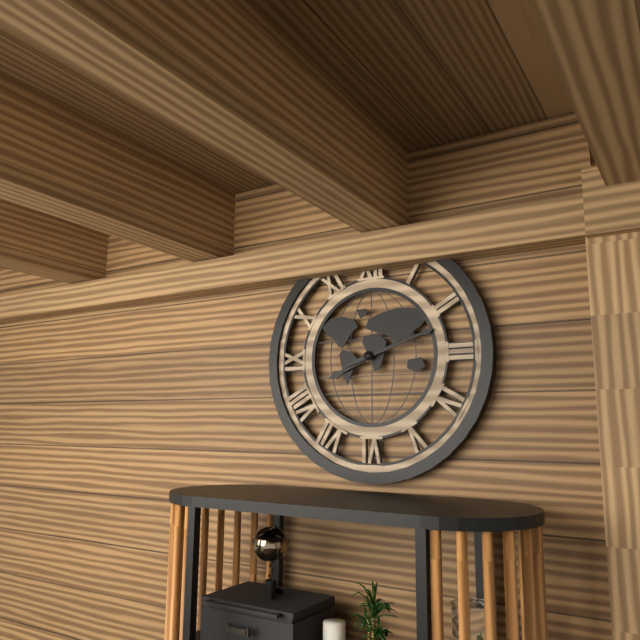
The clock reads 8.12
